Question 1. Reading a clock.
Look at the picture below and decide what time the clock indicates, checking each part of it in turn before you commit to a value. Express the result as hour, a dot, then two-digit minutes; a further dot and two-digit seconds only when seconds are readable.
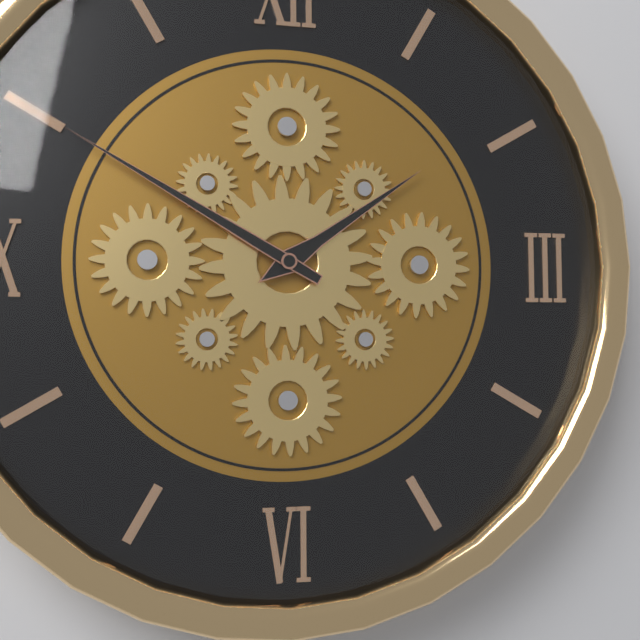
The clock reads 1.50
